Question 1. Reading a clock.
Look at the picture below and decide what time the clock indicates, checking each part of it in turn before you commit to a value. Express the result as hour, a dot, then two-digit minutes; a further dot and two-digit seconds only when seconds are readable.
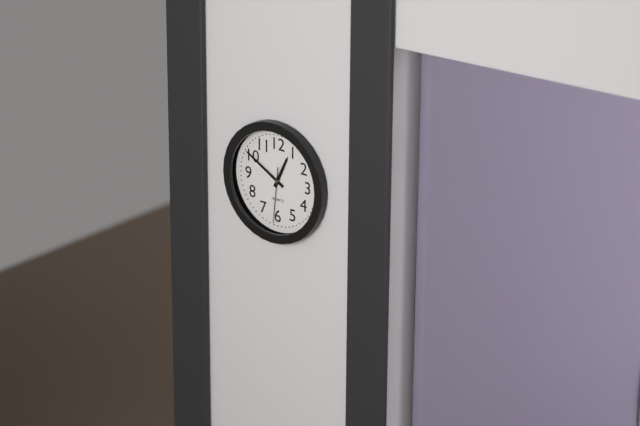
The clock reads 12.50.31
